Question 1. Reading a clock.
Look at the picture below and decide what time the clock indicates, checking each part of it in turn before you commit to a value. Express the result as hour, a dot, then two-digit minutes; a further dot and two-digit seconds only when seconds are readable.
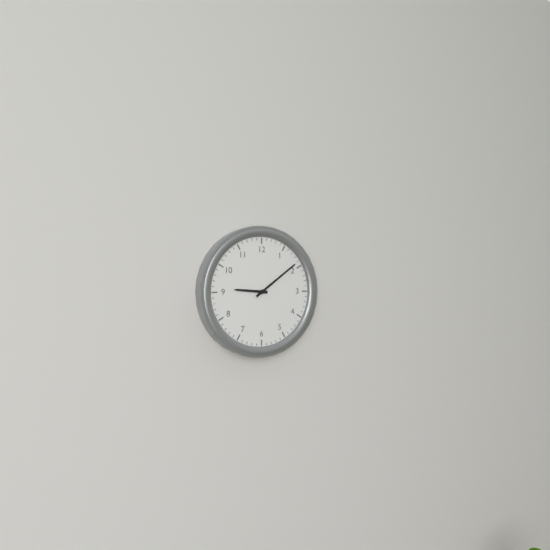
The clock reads 9.09
